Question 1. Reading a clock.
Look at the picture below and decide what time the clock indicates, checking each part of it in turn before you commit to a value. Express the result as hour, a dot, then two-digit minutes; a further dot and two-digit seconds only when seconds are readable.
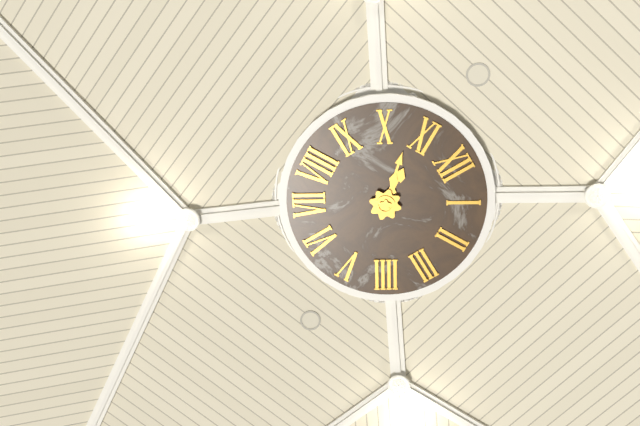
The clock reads 10.53
